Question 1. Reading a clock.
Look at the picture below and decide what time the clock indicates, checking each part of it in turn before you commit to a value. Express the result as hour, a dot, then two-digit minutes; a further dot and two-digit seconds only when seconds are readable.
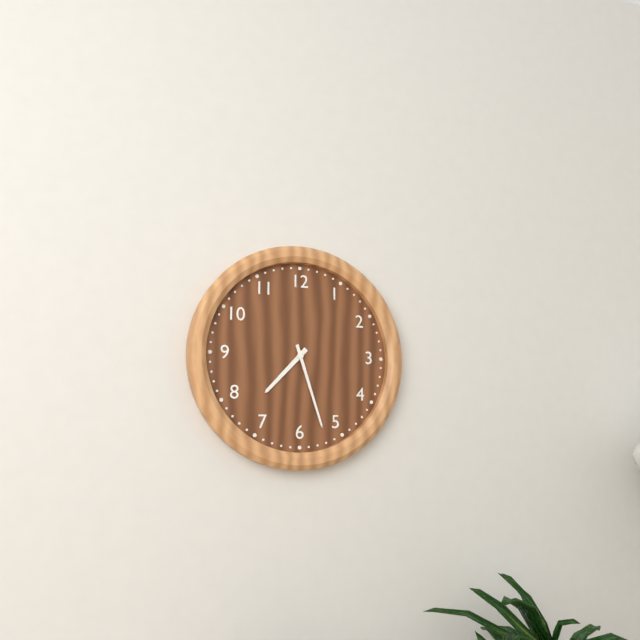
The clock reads 7.27
